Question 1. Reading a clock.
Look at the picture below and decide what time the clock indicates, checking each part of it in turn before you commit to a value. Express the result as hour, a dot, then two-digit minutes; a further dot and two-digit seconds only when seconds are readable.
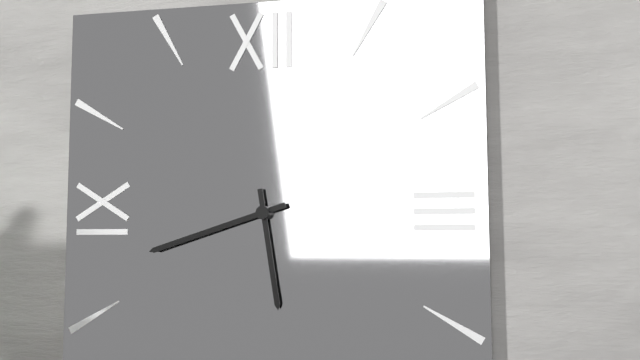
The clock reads 5.42
